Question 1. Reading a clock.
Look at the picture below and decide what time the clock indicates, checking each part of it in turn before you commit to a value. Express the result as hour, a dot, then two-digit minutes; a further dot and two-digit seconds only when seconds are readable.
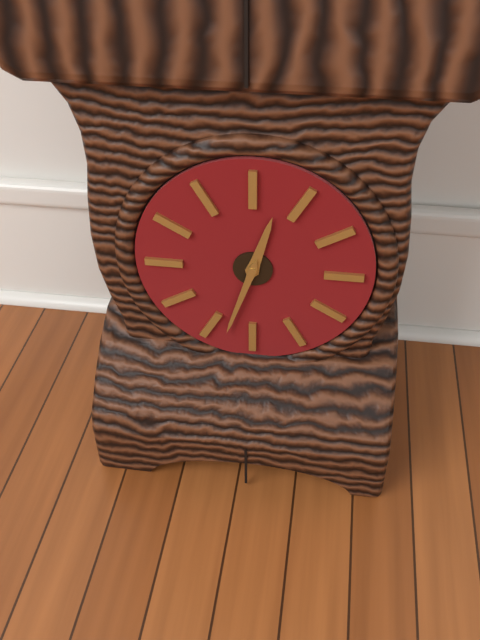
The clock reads 12.33
